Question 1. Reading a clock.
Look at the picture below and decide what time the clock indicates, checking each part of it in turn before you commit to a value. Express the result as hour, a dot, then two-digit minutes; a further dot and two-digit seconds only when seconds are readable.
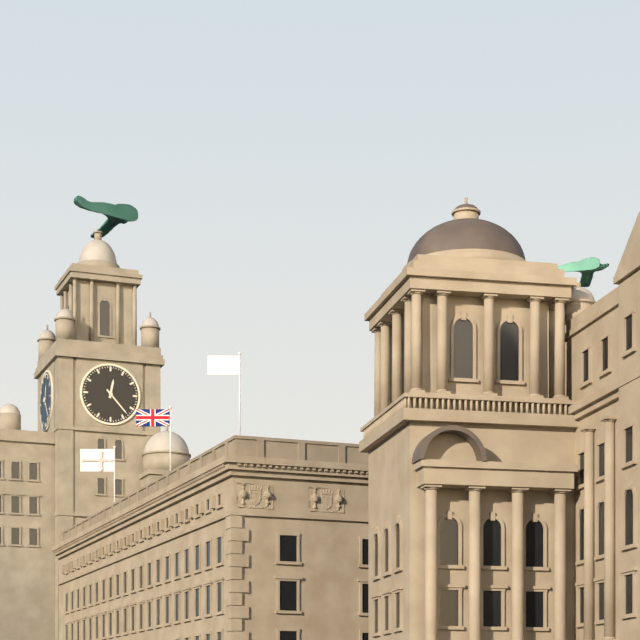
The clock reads 12.23
